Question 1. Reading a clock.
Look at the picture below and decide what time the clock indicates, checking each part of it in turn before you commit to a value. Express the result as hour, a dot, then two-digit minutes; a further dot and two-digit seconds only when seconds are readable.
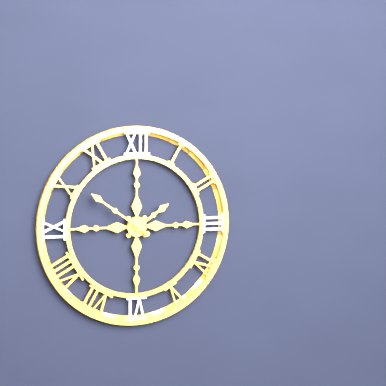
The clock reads 1.51
